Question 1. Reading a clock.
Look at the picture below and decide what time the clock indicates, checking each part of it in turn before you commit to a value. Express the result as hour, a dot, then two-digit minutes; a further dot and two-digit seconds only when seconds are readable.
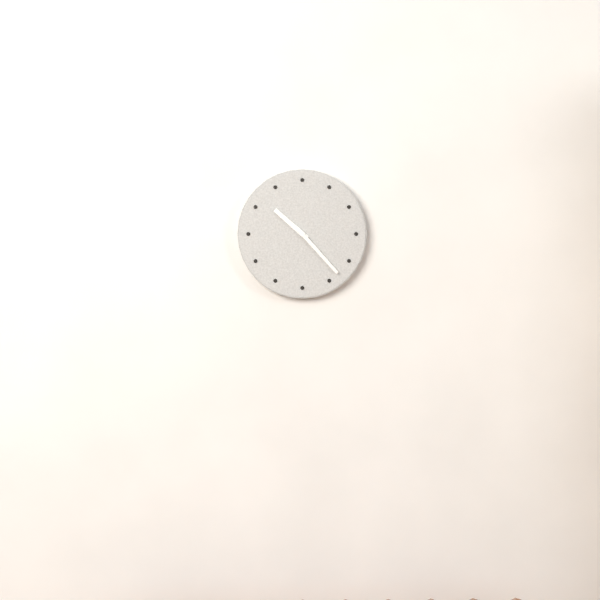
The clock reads 10.23
